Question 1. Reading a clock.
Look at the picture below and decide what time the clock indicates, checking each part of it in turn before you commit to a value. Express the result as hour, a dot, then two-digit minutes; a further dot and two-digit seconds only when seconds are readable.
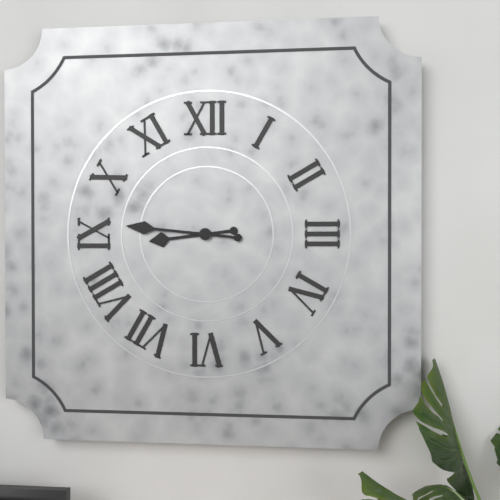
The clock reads 8.46
